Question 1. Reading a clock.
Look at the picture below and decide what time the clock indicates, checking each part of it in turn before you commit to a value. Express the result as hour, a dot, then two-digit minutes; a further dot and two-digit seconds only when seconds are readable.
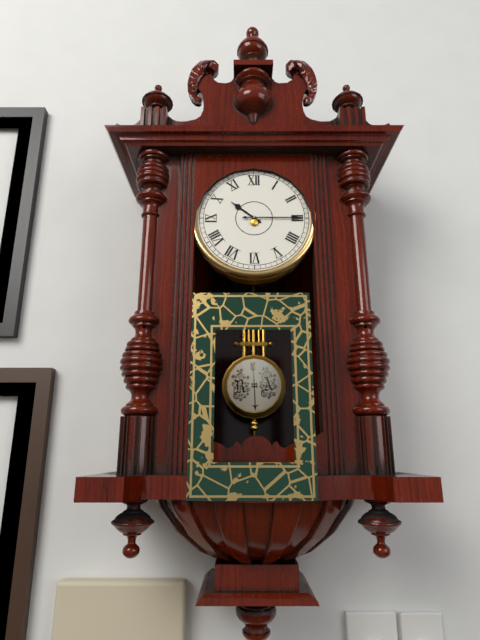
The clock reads 10.15
